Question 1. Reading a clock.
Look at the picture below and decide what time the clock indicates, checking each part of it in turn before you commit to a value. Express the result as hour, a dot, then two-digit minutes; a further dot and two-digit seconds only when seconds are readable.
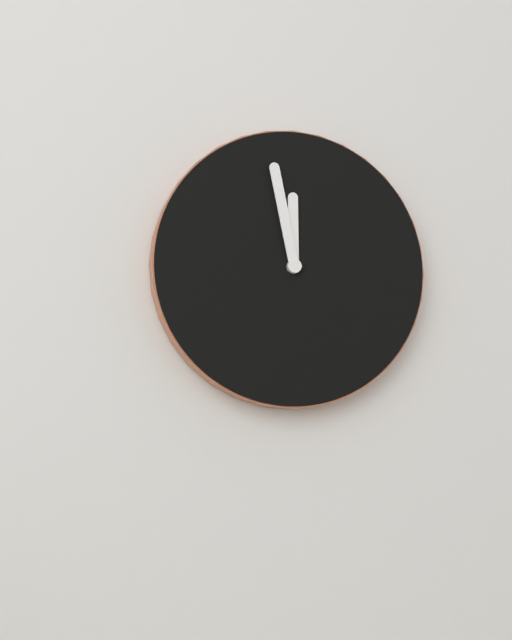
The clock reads 11.58
